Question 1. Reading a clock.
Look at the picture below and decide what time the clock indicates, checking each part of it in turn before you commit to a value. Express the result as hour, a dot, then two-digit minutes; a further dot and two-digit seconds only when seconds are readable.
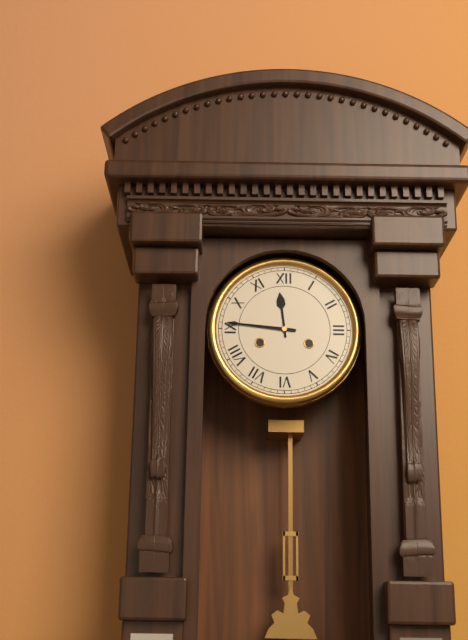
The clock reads 11.46
